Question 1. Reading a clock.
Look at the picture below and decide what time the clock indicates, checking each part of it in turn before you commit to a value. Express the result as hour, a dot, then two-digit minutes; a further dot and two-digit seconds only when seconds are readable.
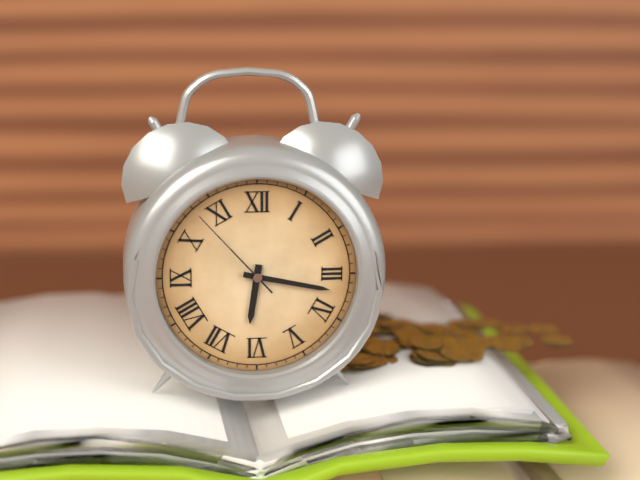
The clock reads 6.17.53
